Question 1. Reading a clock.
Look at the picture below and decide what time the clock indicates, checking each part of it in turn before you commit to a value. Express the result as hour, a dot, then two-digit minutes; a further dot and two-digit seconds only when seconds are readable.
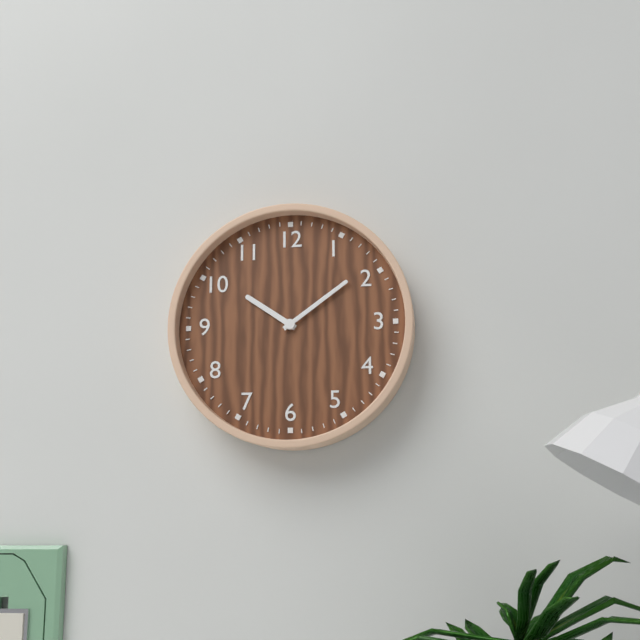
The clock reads 10.09
